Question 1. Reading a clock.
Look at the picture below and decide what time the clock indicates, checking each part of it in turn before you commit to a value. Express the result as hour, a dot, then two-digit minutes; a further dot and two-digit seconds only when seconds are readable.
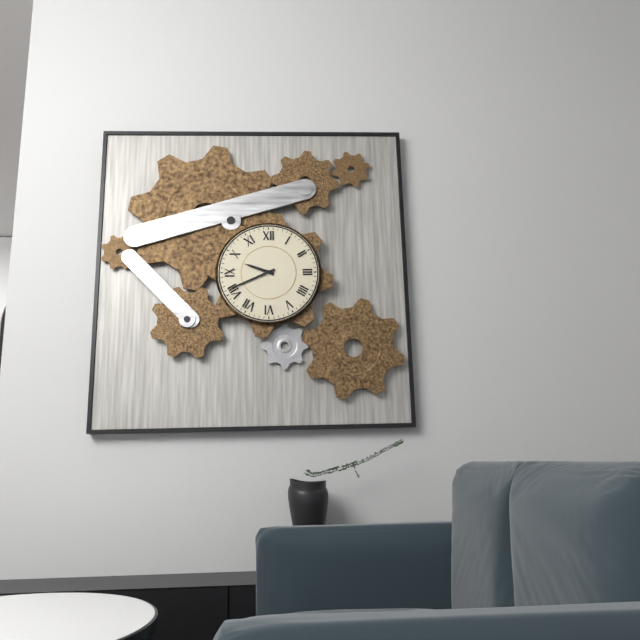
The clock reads 9.41
